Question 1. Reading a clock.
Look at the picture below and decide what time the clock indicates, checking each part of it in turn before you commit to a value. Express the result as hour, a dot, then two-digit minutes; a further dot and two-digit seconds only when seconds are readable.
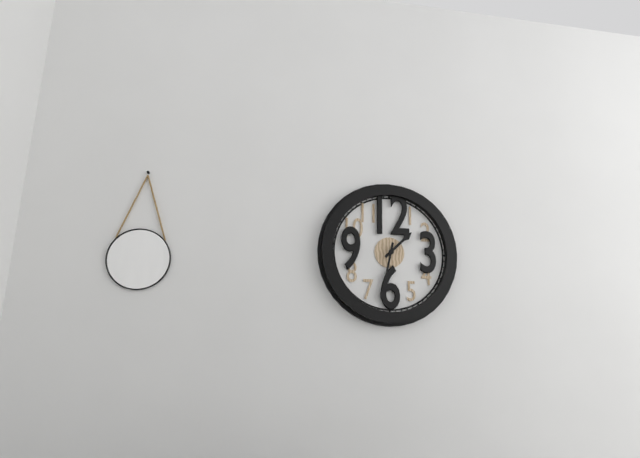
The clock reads 1.32
